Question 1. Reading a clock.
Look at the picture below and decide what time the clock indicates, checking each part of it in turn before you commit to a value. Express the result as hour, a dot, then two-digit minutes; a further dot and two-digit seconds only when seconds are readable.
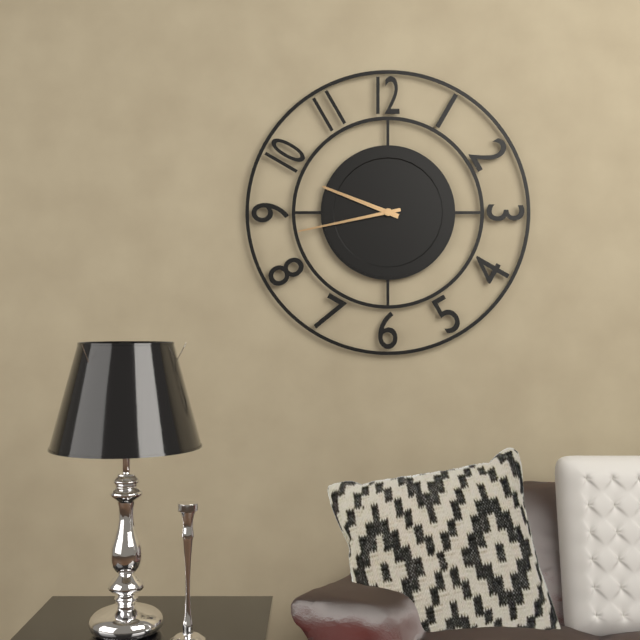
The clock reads 9.43
